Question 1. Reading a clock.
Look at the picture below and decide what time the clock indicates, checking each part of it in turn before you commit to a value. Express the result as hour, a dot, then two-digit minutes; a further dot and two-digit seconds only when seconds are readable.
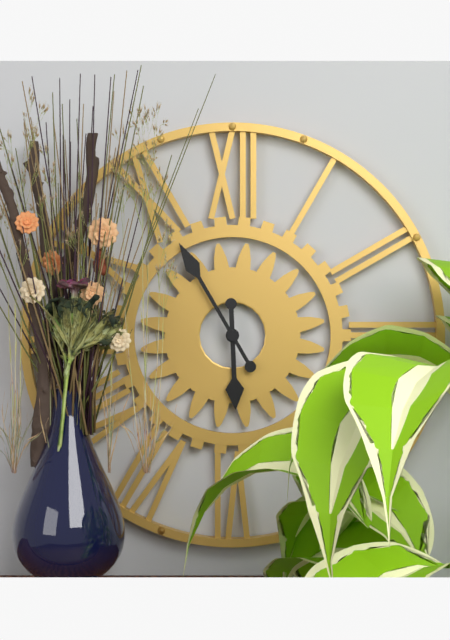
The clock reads 5.55
